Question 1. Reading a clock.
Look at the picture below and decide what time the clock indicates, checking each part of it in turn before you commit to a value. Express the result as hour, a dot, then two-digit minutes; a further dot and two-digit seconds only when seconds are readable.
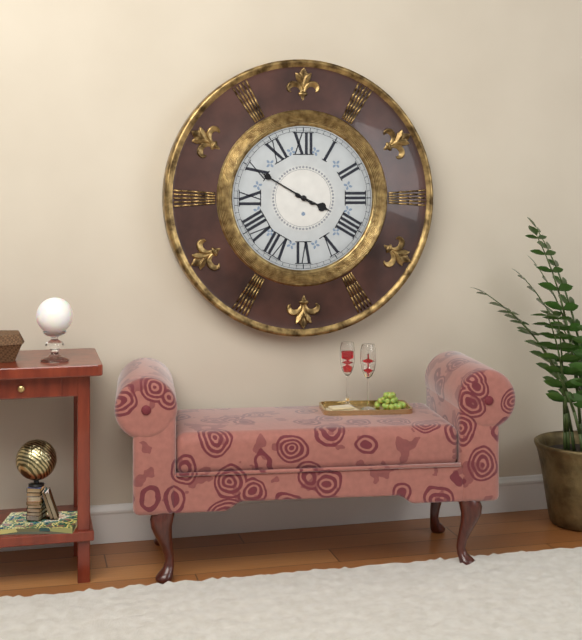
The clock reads 3.50
